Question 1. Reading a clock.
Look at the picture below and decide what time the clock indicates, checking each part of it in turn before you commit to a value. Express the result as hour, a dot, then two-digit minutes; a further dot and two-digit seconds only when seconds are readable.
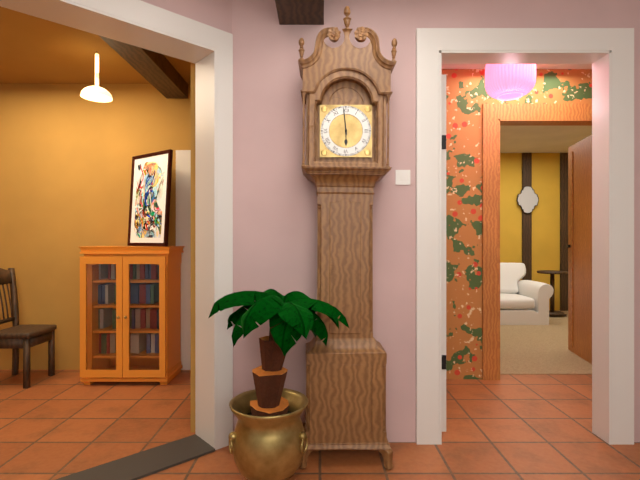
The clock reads 5.59
